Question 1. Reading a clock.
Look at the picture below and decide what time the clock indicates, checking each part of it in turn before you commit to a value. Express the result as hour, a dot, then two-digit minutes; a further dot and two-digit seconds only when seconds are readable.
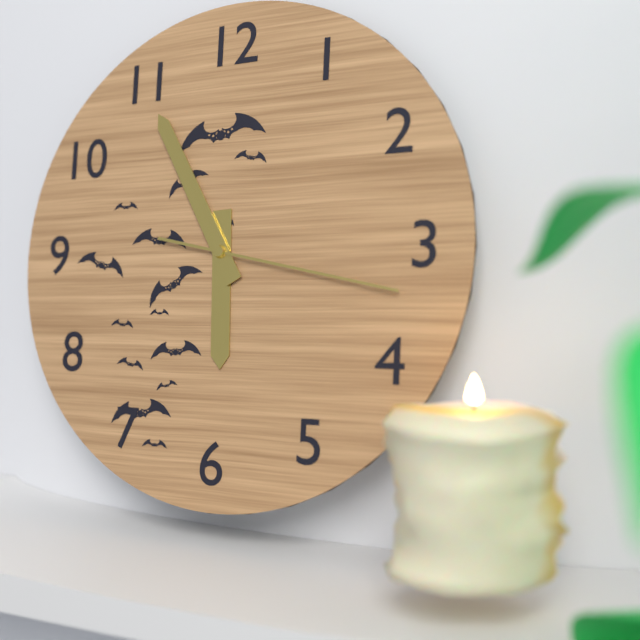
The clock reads 5.55.17
